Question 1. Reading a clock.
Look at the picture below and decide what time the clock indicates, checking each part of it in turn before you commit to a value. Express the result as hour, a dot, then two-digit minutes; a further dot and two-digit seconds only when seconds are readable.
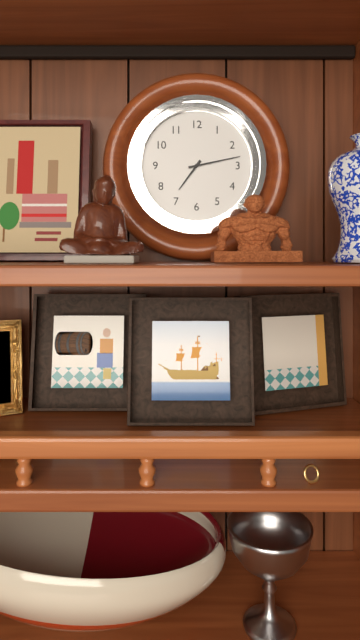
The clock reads 7.13
